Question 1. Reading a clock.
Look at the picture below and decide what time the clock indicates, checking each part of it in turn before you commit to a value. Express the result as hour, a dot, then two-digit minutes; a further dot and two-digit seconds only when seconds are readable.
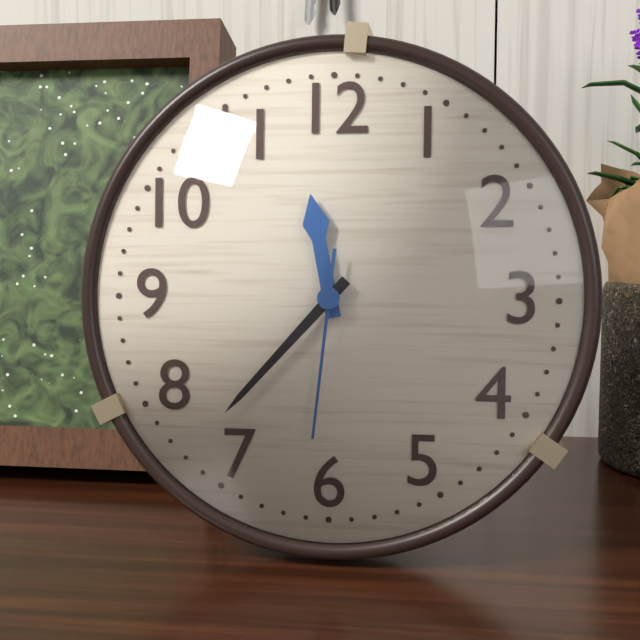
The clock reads 11.37.31
